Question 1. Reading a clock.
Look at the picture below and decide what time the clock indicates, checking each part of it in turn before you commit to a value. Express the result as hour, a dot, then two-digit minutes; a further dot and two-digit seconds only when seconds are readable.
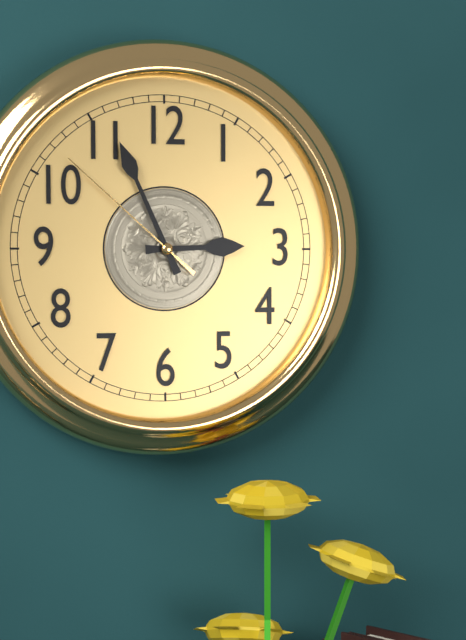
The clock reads 2.56.52
